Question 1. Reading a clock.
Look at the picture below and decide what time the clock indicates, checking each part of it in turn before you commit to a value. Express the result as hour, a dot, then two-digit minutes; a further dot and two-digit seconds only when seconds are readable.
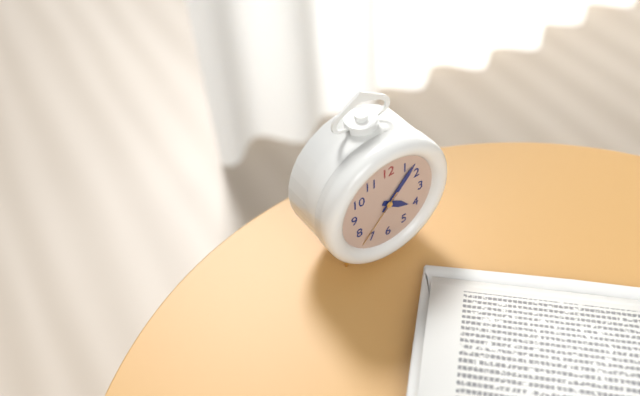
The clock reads 4.07.37
